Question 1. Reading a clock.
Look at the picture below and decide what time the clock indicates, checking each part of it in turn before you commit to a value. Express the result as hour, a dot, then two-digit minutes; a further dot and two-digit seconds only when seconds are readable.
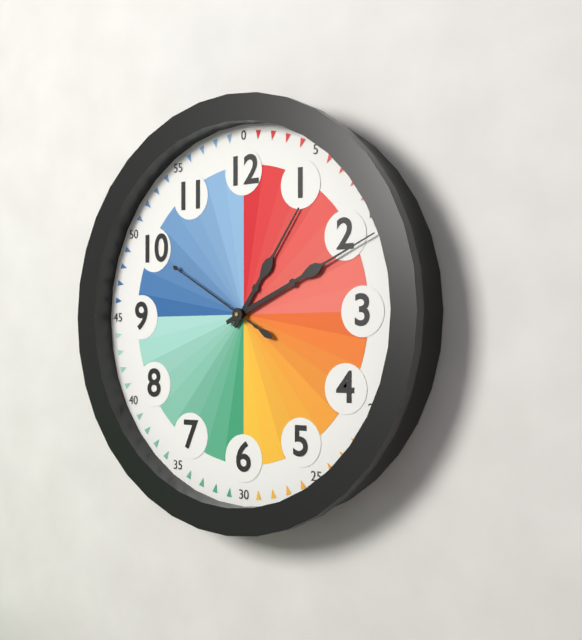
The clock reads 1.11.50
